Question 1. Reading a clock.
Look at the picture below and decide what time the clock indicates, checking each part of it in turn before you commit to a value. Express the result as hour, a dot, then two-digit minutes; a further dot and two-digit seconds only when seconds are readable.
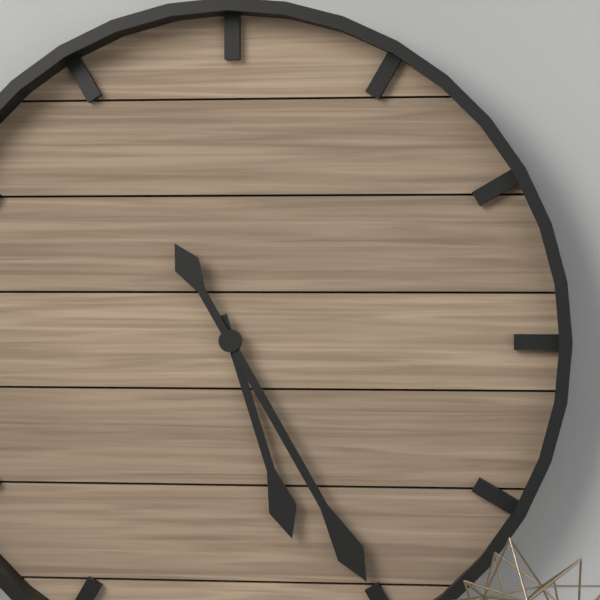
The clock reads 5.25
